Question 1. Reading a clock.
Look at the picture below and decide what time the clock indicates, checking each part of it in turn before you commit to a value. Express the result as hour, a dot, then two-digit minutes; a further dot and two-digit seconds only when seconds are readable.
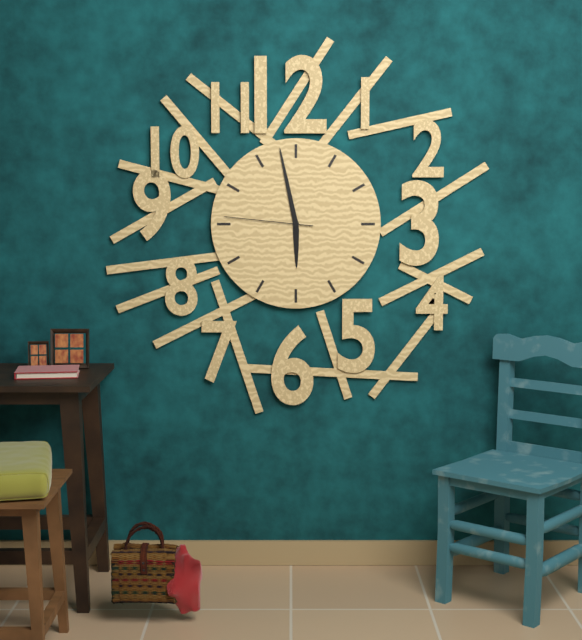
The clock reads 5.58.46
